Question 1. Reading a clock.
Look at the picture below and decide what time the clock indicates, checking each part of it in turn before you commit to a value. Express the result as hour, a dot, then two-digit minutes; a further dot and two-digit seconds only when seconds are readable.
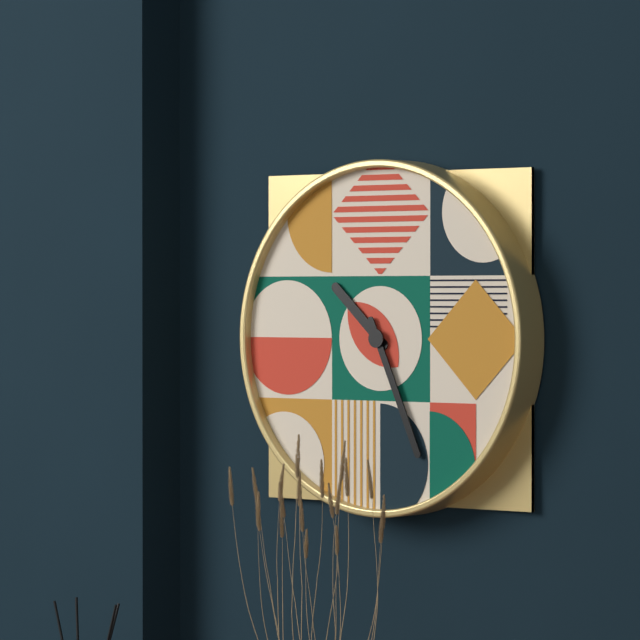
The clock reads 10.26
